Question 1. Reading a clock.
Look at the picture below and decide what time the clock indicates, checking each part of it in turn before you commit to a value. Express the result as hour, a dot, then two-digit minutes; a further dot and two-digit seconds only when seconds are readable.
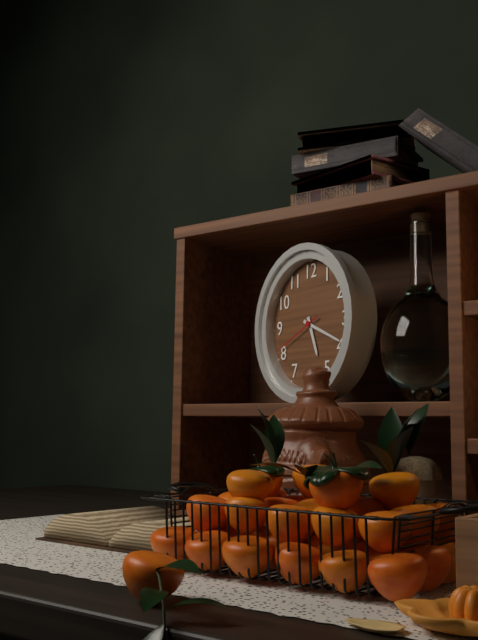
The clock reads 5.19.41
